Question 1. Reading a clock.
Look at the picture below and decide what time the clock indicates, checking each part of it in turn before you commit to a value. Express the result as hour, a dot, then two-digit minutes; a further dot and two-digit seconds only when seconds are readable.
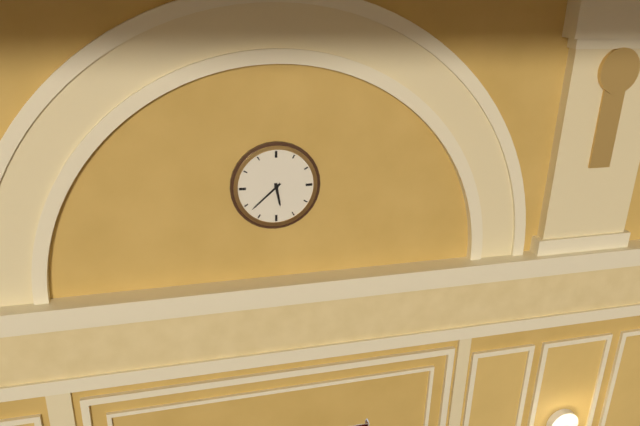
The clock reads 5.38
